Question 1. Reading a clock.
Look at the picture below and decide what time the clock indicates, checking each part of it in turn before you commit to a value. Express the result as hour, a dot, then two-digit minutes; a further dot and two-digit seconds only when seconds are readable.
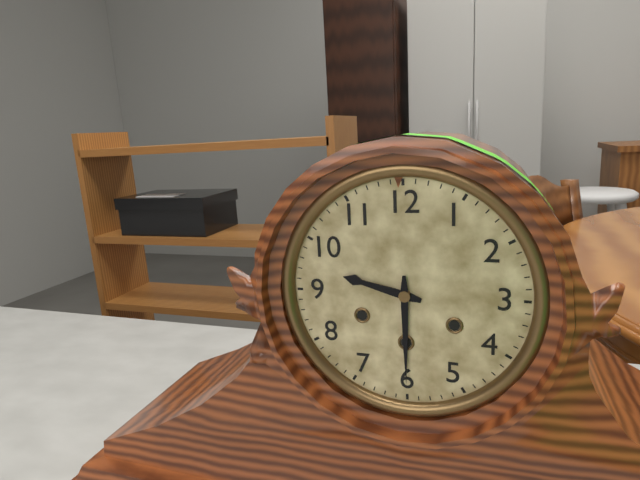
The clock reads 9.30
